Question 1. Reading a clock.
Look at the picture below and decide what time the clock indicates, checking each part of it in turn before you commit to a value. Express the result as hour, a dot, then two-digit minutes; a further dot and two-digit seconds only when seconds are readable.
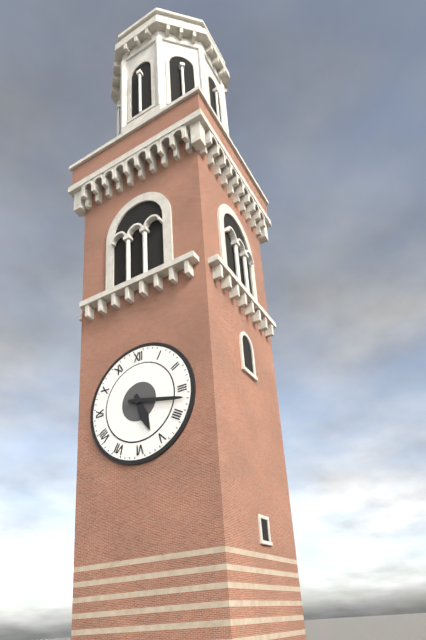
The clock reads 5.17
